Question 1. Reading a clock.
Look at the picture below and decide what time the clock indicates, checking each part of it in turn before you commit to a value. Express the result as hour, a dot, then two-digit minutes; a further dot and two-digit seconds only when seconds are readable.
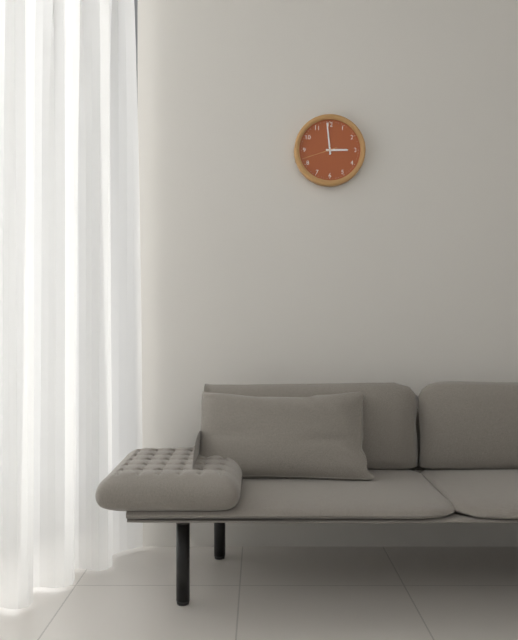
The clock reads 2.59
